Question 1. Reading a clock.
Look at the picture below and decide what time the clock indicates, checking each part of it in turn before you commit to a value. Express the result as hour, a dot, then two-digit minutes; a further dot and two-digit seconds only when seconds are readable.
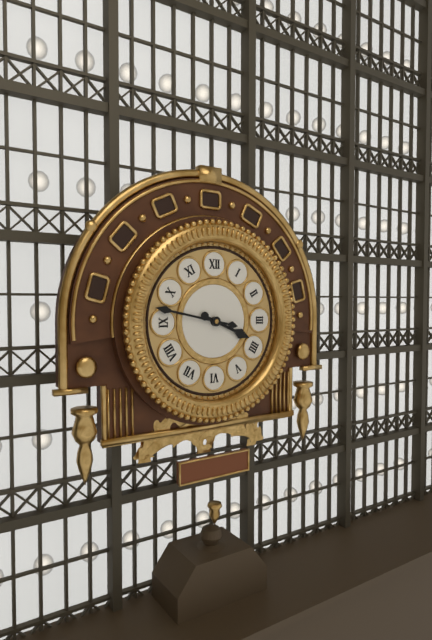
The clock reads 3.47
